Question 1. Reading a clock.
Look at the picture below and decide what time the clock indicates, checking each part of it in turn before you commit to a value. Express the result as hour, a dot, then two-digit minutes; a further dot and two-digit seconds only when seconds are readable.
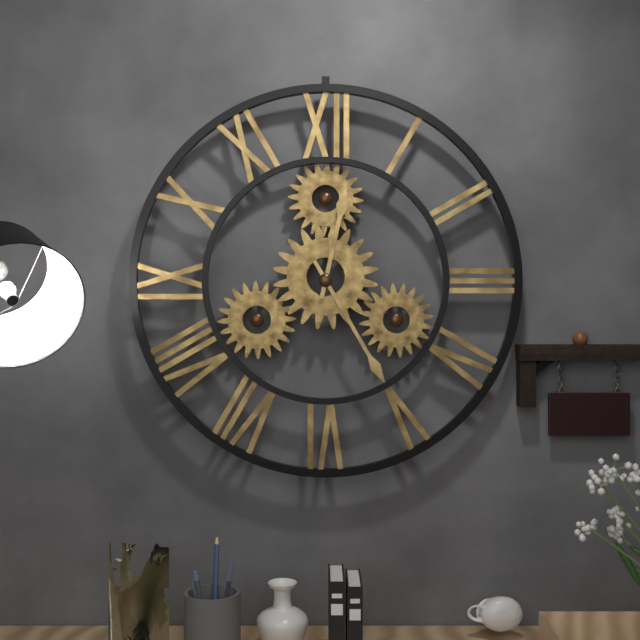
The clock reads 12.25
